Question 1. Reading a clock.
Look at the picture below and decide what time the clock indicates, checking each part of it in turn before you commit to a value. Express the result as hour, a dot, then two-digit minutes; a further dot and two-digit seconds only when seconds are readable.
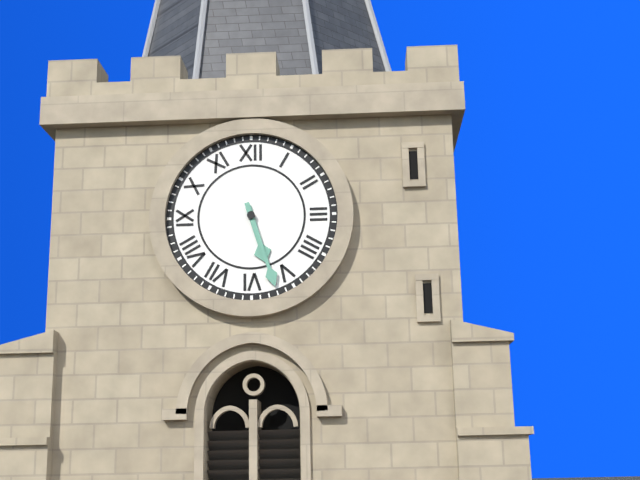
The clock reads 5.27
